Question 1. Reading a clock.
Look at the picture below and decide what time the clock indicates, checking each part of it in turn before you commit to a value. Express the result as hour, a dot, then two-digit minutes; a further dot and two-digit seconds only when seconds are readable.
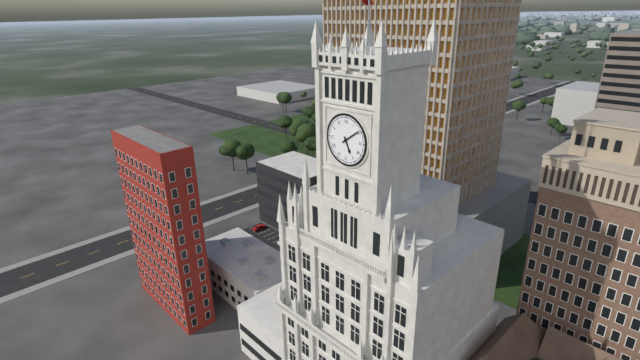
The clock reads 5.09
